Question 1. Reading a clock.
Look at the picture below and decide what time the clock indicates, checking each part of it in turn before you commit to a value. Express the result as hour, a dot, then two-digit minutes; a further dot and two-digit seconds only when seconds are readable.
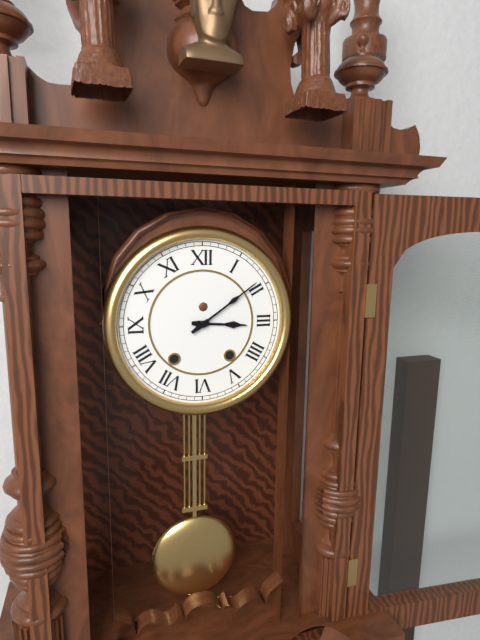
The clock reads 3.09
